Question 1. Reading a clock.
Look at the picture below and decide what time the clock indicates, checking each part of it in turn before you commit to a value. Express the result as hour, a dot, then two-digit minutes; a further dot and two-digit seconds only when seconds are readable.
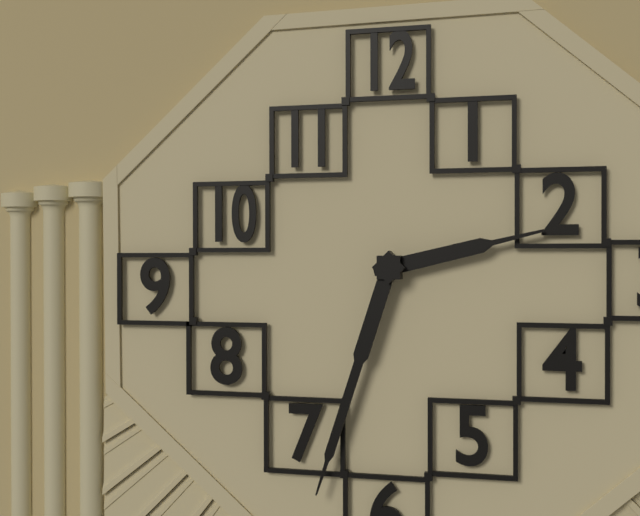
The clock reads 2.33
